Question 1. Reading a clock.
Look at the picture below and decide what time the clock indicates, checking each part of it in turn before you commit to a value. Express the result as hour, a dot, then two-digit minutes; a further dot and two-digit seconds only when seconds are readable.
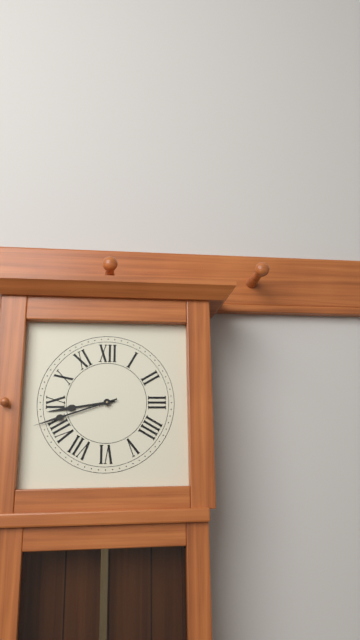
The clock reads 8.42
